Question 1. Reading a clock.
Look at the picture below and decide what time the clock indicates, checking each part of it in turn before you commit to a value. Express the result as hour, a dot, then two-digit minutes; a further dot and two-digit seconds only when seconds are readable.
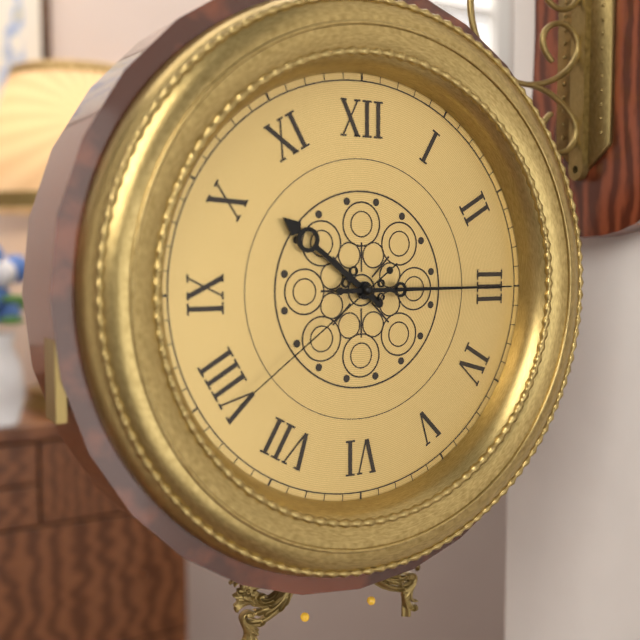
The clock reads 10.15.39
